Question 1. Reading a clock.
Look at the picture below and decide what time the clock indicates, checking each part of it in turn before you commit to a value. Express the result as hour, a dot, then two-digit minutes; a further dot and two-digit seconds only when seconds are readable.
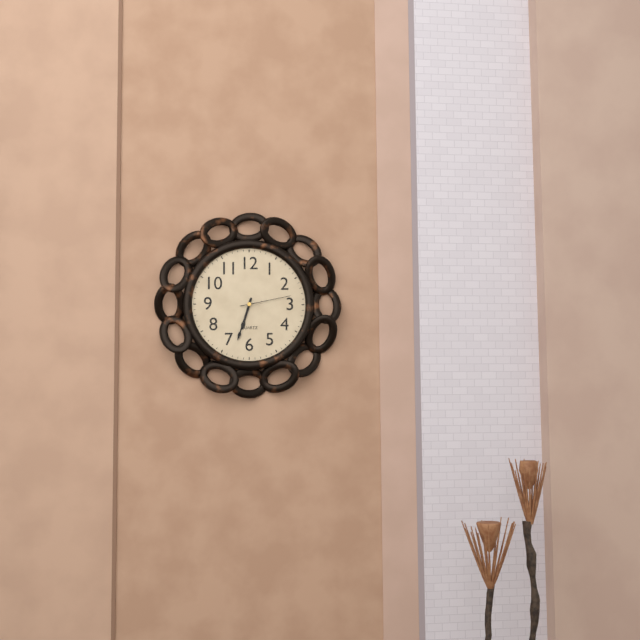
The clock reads 6.33.13
